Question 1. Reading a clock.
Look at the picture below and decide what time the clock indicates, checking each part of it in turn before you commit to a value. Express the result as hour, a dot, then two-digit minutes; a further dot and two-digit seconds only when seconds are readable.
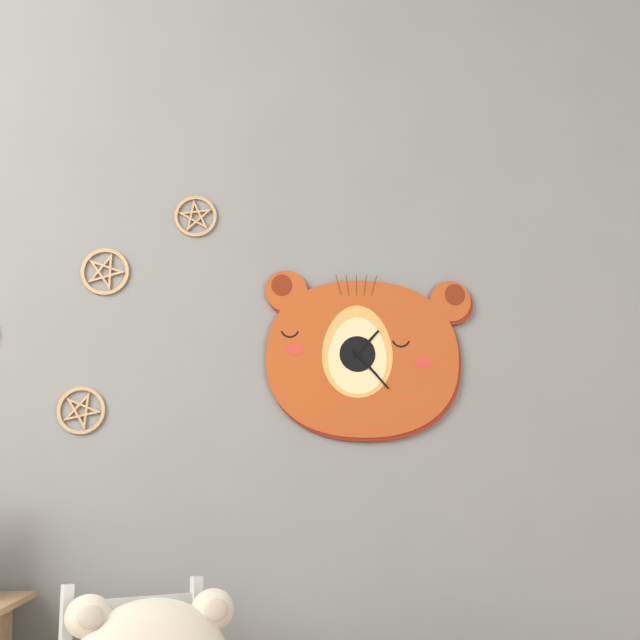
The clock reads 1.23
